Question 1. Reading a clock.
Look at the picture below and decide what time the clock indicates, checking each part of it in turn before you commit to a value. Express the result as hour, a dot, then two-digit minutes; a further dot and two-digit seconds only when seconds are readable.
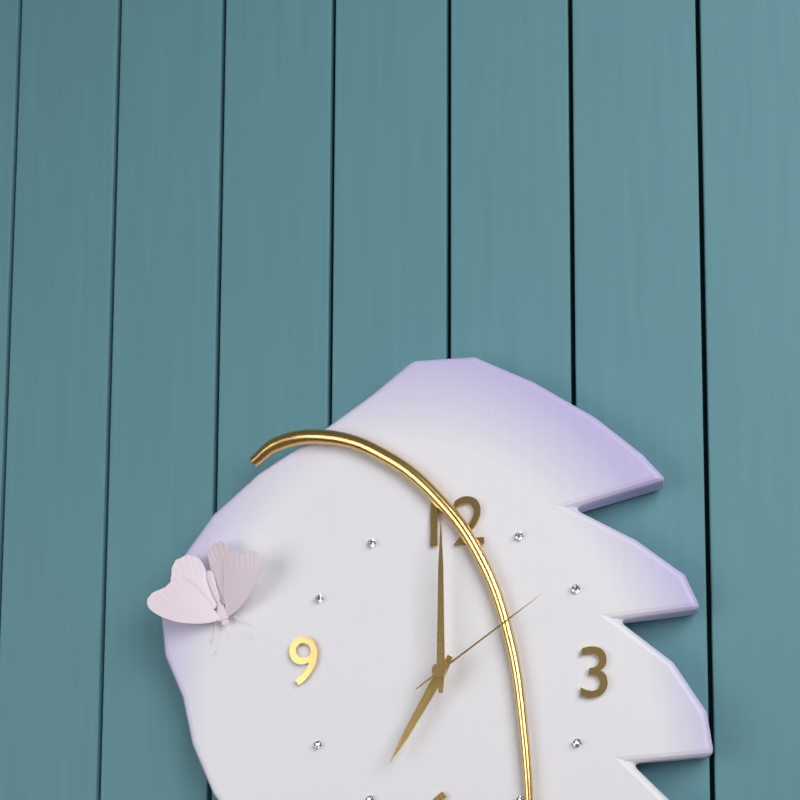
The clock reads 7.00.09
